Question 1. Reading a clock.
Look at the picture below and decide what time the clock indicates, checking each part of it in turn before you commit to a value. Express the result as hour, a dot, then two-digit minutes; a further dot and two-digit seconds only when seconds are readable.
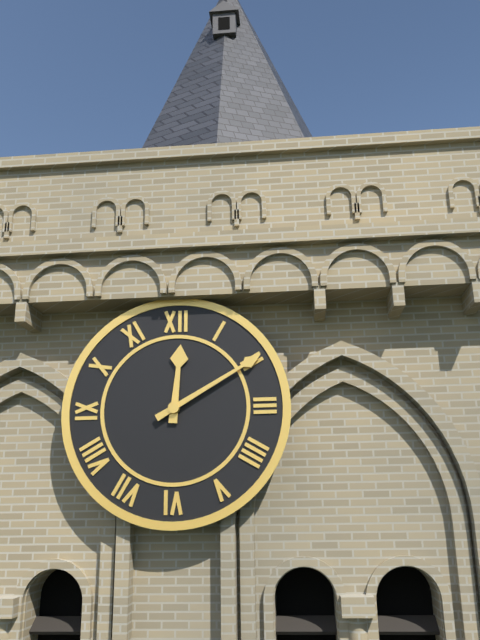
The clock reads 12.10
